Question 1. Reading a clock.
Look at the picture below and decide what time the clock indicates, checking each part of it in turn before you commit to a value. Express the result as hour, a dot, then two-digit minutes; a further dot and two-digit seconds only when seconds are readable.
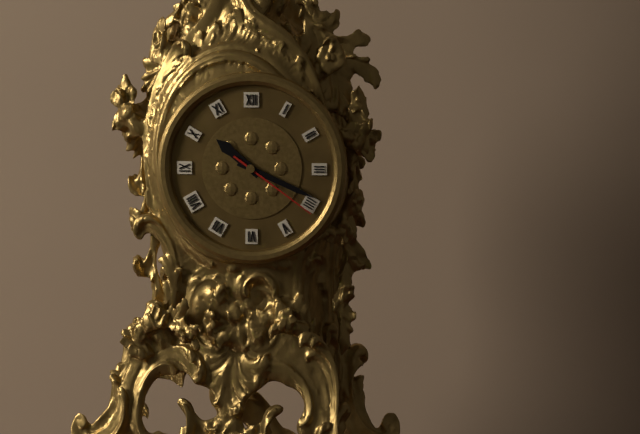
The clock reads 10.19.21
